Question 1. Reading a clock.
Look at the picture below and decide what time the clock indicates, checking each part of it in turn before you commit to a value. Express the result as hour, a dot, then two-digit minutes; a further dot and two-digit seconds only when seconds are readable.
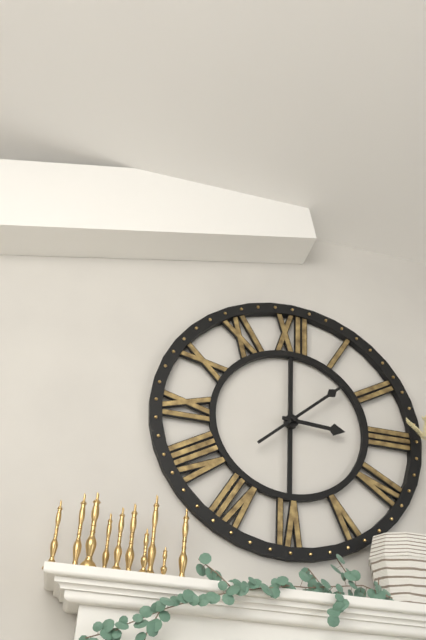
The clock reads 3.08
